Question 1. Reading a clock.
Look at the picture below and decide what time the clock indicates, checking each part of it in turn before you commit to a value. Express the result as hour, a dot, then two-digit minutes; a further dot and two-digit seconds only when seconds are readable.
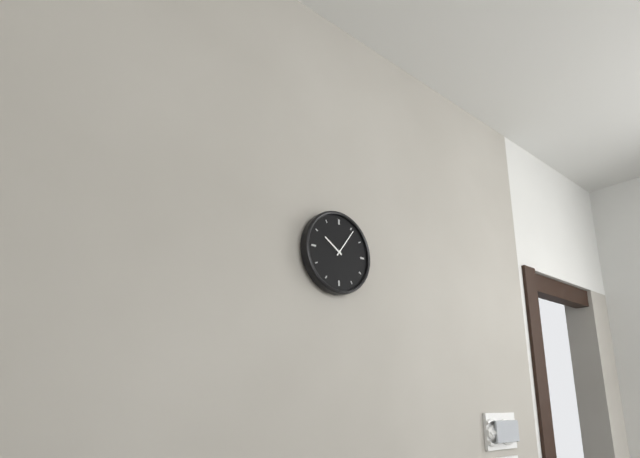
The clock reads 10.06
